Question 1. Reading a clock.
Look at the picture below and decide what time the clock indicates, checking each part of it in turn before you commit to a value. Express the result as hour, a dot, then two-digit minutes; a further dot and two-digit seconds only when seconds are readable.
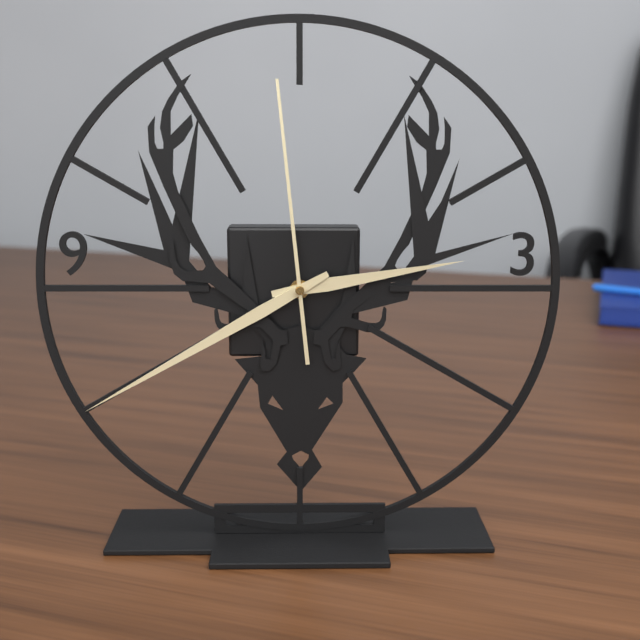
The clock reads 2.40.59
